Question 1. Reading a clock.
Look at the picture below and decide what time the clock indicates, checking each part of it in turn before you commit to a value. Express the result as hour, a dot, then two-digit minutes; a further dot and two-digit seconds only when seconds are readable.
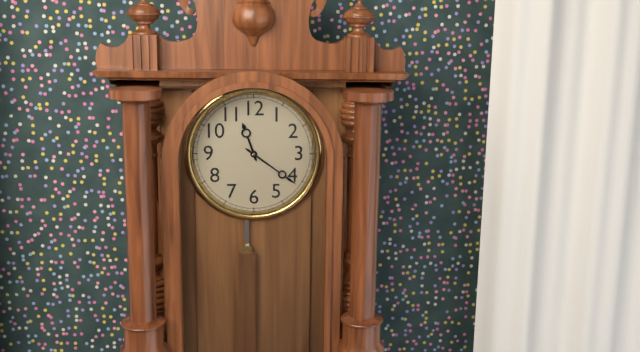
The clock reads 11.21
